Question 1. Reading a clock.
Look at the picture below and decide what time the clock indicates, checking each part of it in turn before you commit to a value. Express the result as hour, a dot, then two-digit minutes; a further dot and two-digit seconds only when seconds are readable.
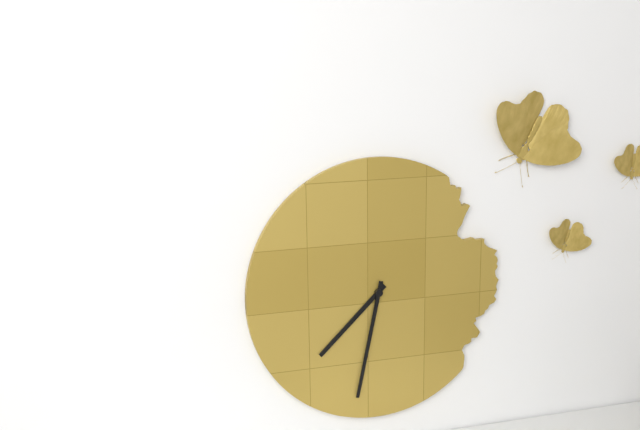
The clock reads 7.32
